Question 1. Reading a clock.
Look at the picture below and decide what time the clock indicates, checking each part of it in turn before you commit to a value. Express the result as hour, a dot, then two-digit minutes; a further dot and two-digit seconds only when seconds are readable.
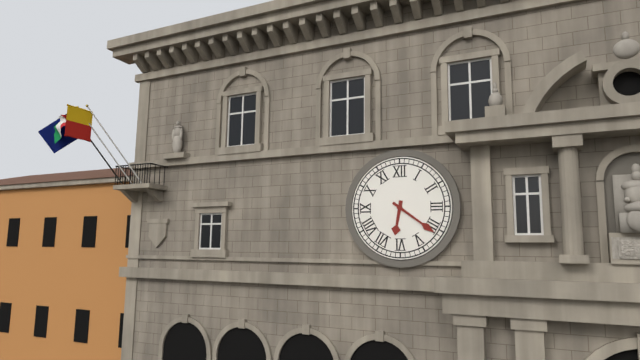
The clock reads 6.21
